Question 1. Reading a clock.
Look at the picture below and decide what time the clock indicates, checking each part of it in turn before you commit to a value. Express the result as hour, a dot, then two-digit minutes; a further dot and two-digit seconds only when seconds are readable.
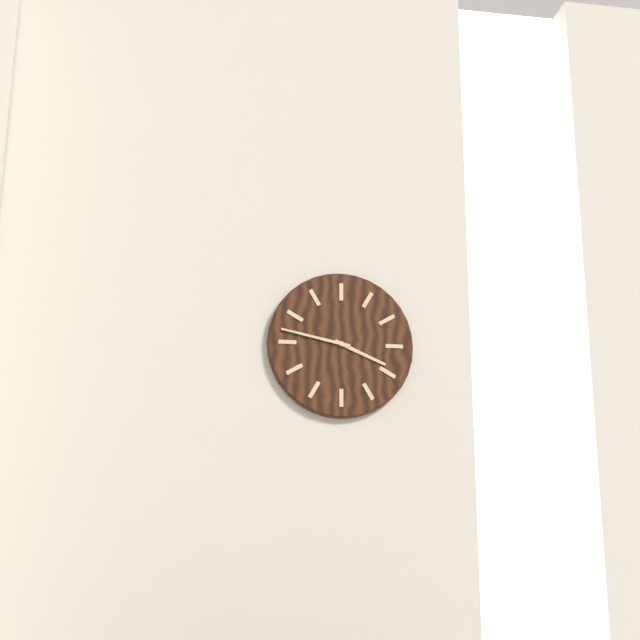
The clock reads 3.47
